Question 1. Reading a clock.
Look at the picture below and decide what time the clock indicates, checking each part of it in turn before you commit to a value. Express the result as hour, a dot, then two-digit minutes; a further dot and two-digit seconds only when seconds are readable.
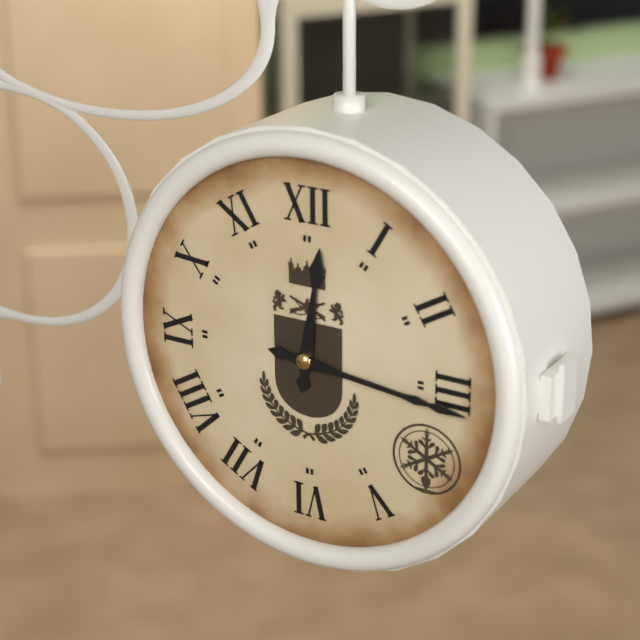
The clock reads 12.16
